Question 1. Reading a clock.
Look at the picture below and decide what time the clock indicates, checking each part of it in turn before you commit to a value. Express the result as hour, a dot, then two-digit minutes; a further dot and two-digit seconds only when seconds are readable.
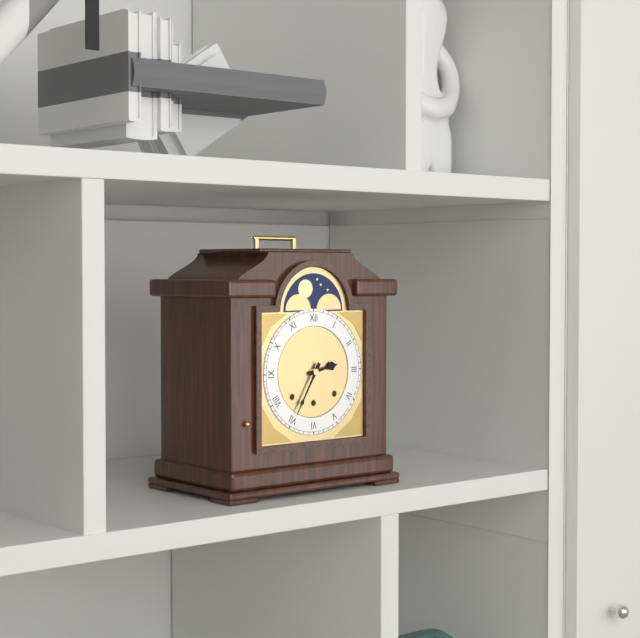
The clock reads 2.35
